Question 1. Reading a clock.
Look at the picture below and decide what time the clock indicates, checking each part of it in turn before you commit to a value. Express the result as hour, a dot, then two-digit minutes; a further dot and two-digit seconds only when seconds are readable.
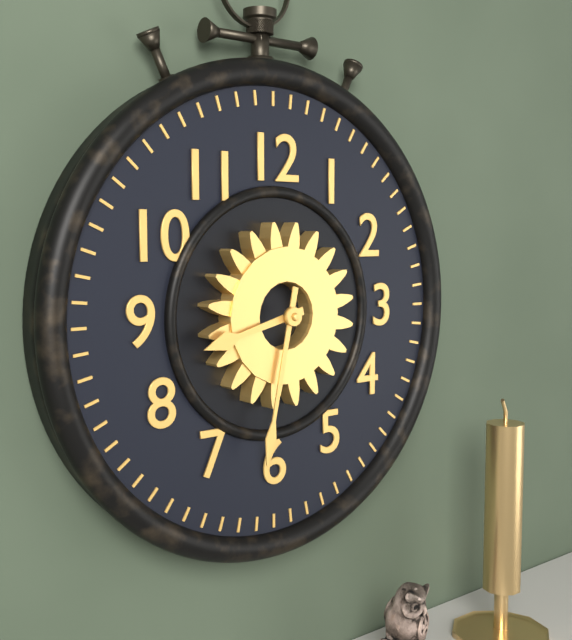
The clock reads 8.32
